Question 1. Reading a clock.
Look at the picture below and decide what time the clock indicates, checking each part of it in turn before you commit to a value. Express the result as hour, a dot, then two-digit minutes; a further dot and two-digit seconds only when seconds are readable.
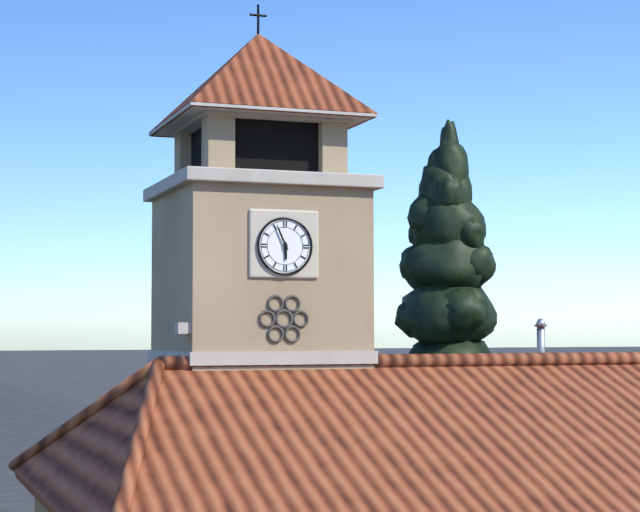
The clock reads 5.56
